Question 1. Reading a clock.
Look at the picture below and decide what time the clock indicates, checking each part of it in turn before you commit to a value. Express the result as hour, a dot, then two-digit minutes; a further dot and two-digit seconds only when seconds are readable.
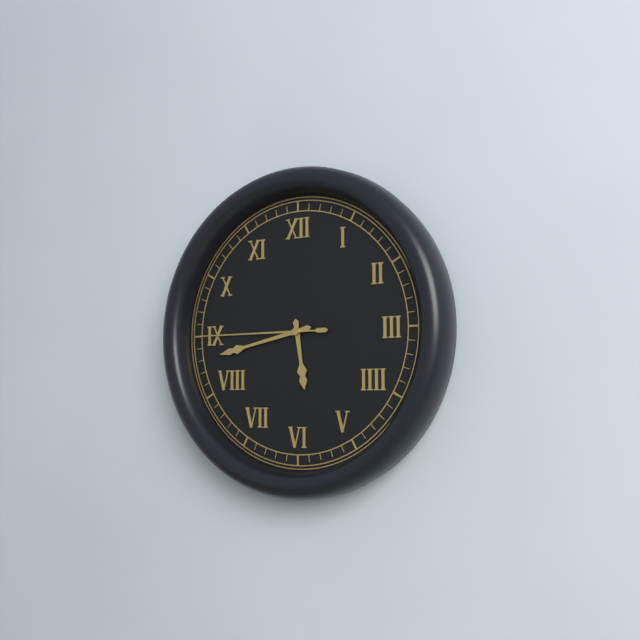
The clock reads 5.43.45
